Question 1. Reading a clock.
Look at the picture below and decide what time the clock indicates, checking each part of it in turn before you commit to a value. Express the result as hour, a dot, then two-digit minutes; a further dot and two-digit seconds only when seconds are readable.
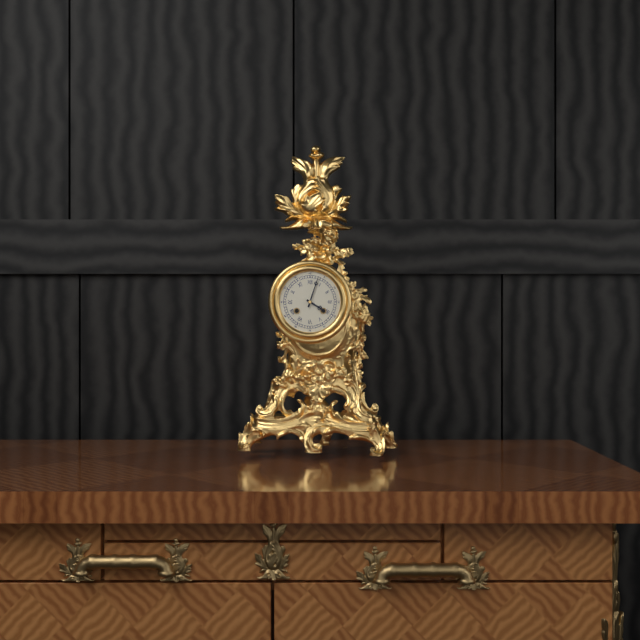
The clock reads 4.03
